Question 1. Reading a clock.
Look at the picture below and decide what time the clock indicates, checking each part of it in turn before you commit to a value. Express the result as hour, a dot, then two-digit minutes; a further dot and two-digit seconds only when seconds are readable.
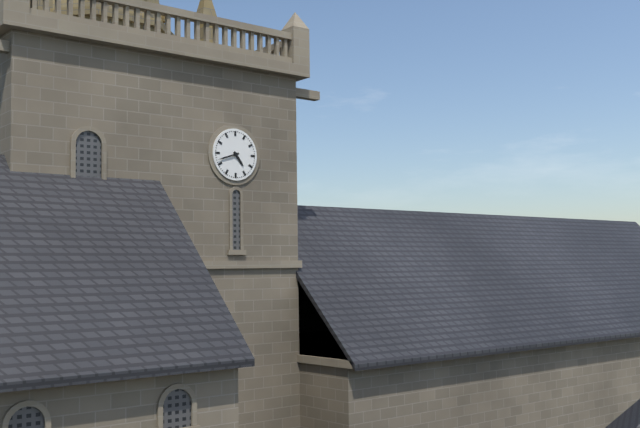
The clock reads 4.42
